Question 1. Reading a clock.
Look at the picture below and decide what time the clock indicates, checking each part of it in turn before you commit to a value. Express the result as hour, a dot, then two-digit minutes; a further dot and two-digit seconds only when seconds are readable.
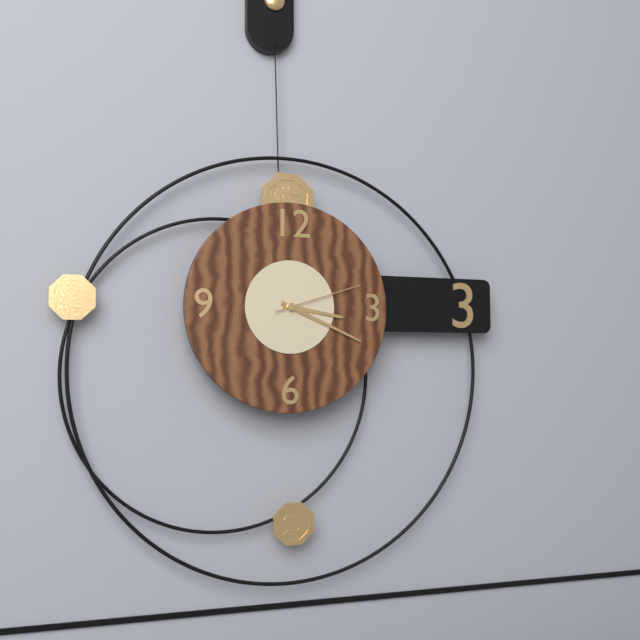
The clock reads 3.19.12
